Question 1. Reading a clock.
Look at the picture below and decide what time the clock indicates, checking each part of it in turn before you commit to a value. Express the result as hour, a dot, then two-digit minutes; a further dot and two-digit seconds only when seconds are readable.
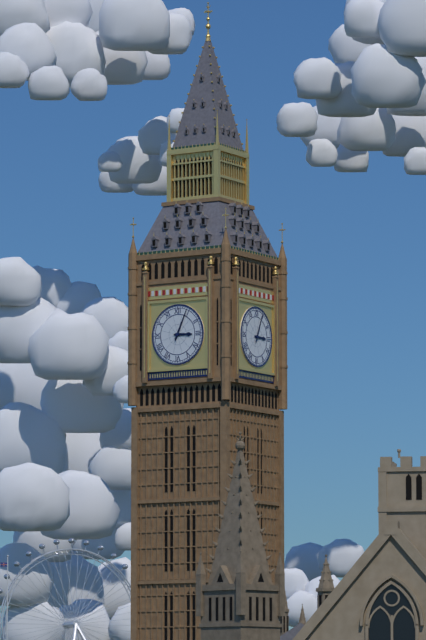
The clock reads 3.04
